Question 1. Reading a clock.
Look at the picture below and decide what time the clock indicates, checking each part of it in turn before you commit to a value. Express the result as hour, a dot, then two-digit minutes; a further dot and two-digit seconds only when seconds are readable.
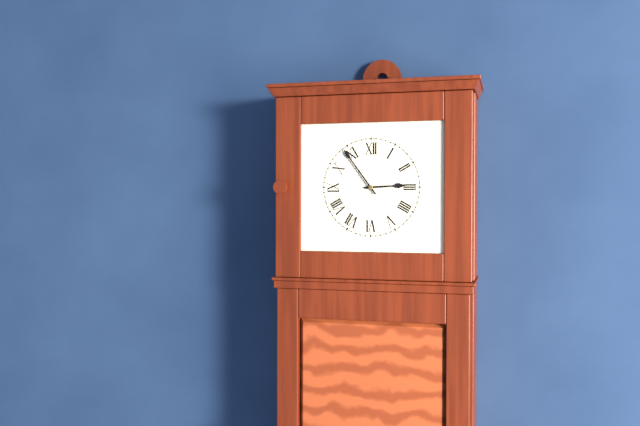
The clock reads 2.54
